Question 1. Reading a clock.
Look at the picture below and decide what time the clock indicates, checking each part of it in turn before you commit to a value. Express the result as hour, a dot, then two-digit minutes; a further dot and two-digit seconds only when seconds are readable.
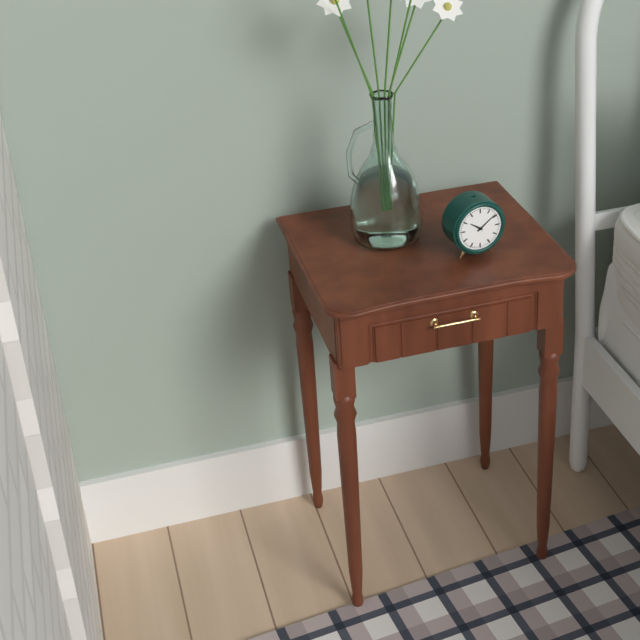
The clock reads 10.09
